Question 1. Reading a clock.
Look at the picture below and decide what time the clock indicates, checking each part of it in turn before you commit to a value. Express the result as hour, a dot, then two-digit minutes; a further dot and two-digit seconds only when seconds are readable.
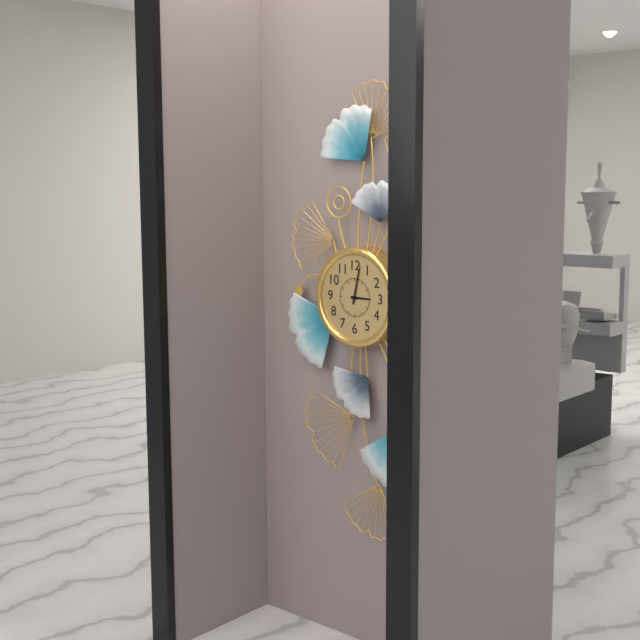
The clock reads 3.02
